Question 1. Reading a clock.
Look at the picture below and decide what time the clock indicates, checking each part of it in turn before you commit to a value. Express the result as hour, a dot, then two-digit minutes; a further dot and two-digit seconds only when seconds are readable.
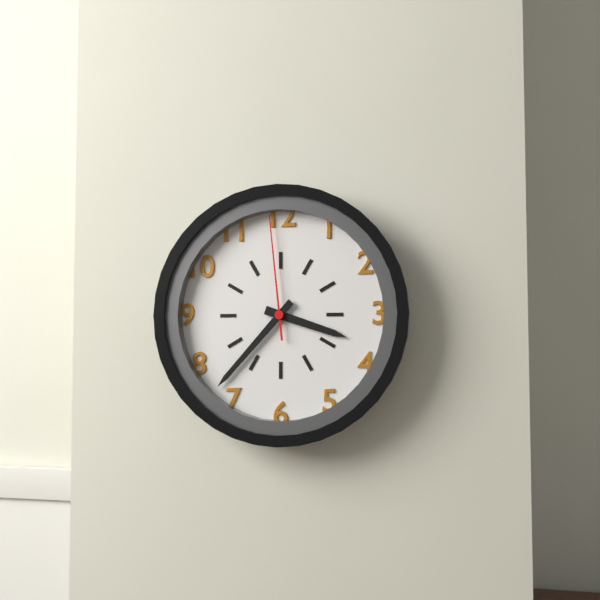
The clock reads 3.37.59
